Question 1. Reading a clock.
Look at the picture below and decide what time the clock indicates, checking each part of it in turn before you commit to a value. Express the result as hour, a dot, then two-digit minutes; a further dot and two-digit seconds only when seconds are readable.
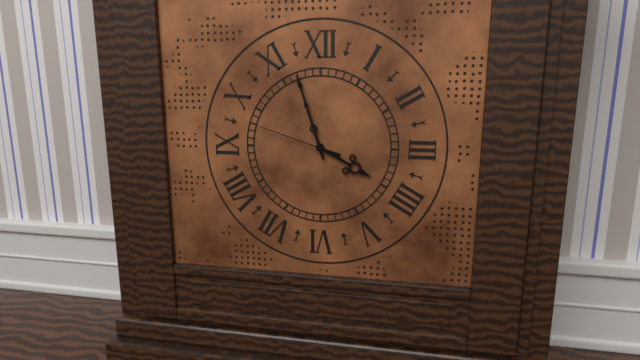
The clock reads 3.57.48
